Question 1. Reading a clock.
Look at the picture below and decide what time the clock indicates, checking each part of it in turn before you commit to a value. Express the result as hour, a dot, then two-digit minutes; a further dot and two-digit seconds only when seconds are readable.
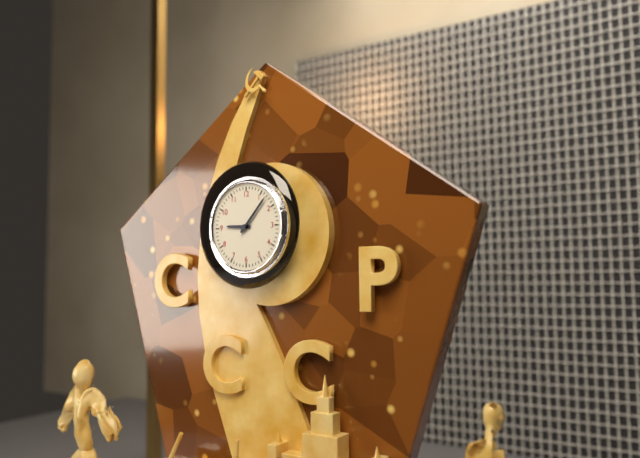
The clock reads 9.07
